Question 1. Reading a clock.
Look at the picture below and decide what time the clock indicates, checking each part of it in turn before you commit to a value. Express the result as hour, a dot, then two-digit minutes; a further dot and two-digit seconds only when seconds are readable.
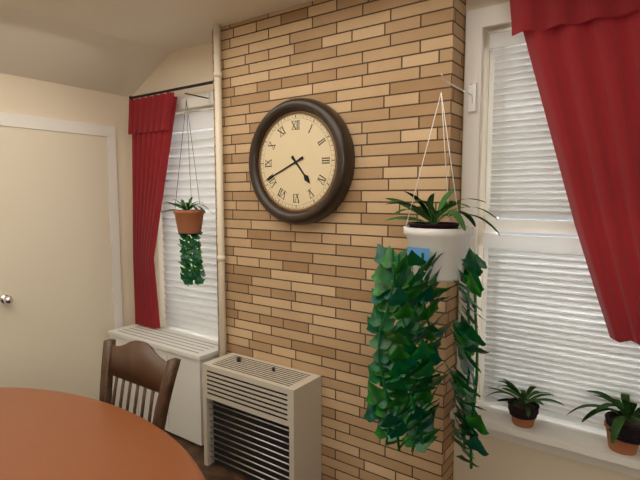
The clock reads 4.41
